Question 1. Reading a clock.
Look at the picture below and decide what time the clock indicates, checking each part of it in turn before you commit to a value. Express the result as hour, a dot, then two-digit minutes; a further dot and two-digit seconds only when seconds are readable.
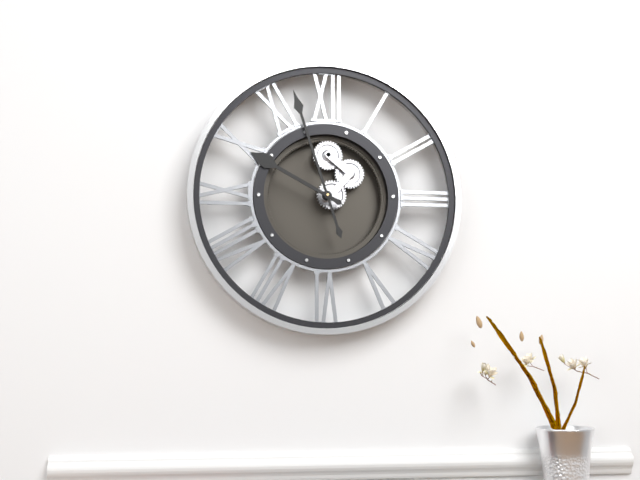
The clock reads 9.57
